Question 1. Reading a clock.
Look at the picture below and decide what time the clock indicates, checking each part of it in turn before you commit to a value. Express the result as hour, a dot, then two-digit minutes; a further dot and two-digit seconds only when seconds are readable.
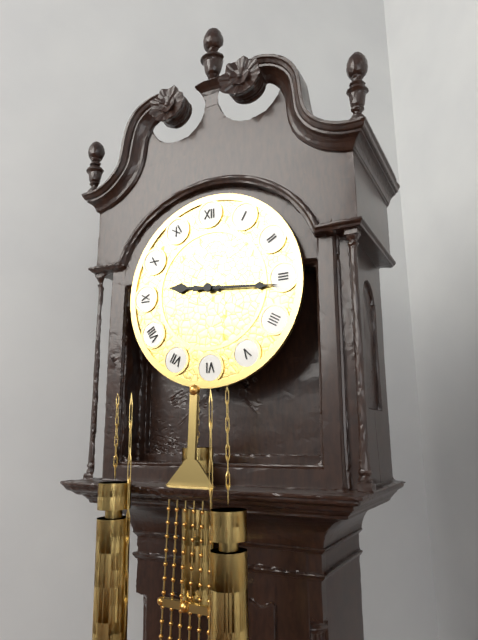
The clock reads 9.16
